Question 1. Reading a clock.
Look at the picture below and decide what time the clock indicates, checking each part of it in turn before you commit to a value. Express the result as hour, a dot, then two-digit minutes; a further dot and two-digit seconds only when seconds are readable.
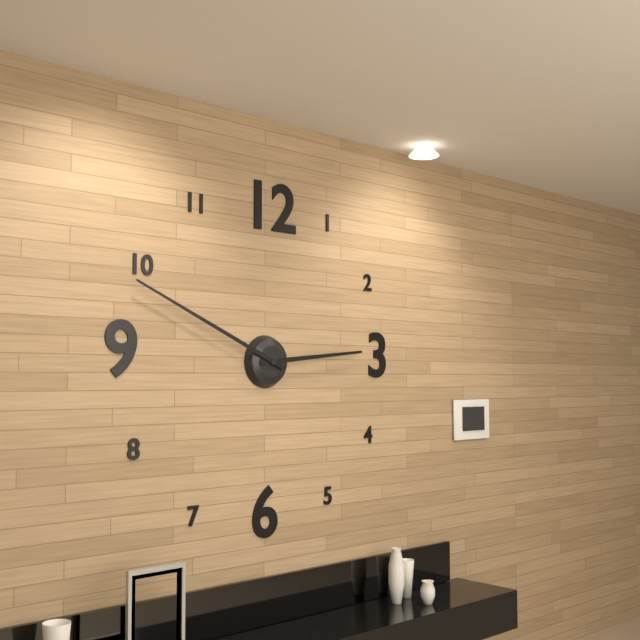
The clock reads 2.49
